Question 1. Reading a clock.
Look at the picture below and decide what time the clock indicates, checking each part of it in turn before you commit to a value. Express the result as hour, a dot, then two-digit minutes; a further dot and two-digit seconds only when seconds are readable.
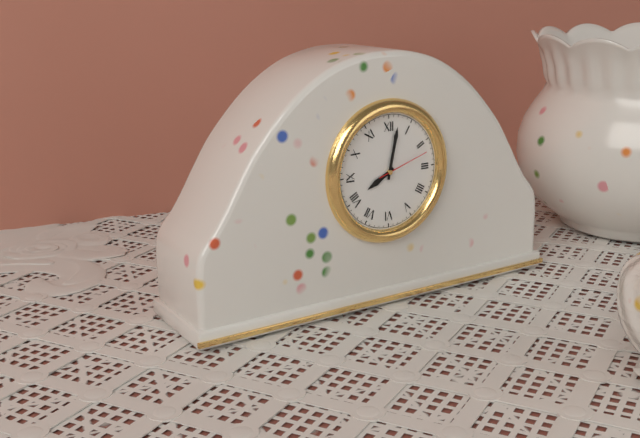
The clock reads 8.02.12
